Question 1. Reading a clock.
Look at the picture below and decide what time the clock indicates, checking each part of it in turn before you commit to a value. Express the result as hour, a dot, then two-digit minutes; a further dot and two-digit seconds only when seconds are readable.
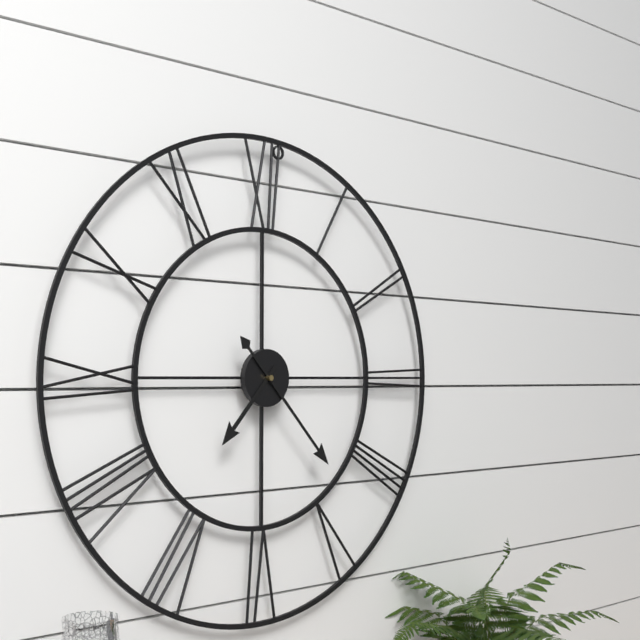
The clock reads 7.23
